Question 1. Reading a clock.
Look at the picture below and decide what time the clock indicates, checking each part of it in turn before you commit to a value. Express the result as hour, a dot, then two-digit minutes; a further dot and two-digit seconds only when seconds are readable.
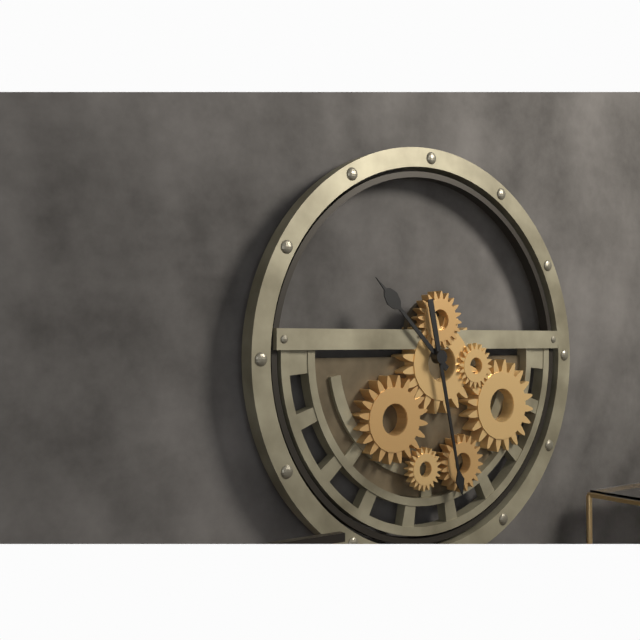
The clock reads 10.28
